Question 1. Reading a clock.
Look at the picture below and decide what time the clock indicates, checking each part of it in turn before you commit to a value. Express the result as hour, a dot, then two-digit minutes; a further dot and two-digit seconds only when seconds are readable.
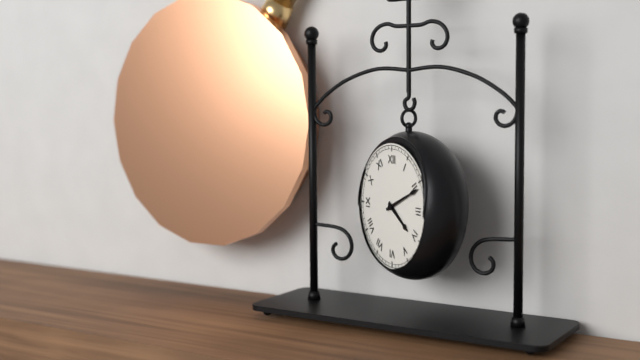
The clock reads 4.11
